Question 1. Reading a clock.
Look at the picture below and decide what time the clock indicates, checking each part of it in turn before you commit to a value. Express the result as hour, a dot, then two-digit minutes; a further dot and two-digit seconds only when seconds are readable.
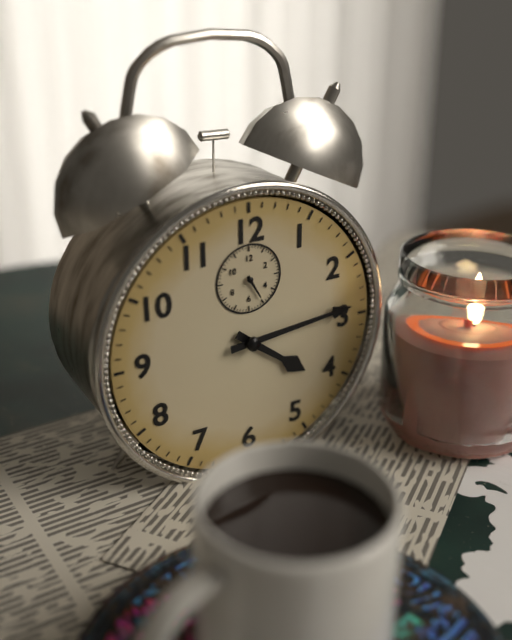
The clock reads 4.14
